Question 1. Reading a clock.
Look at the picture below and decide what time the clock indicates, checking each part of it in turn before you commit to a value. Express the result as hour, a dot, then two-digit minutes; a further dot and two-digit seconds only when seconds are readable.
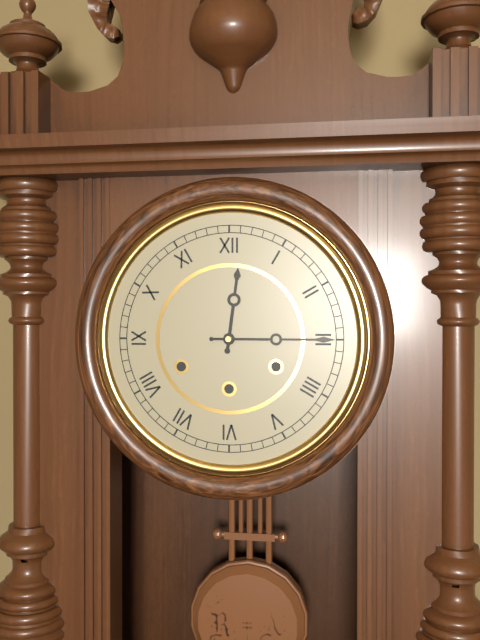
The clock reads 12.15
